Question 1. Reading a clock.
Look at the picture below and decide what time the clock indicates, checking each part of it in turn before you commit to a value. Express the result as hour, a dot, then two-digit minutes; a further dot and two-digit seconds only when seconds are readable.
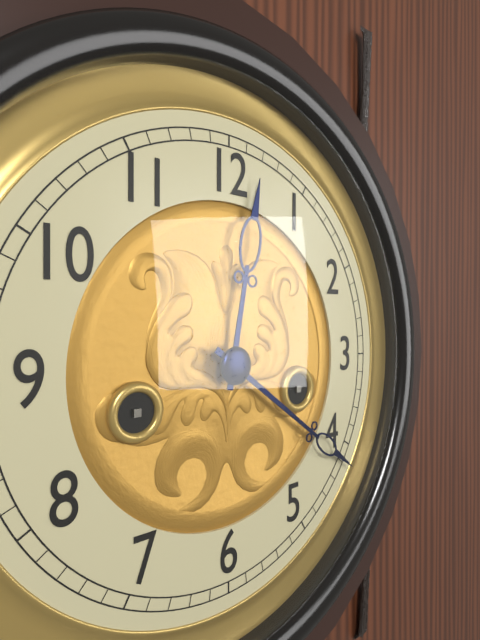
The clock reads 12.21
